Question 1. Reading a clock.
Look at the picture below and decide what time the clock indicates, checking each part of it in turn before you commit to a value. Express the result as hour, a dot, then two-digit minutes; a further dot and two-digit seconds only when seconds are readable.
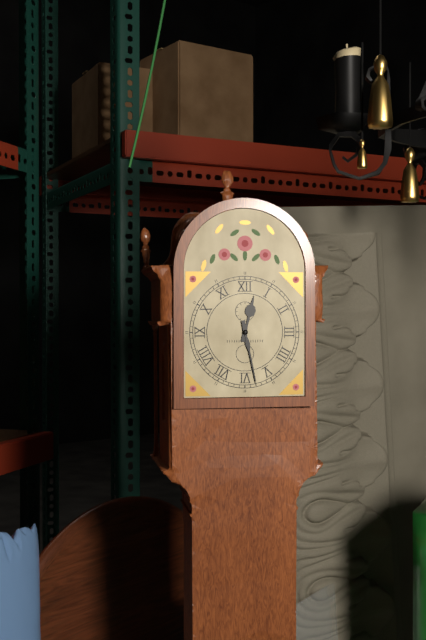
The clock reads 12.28
